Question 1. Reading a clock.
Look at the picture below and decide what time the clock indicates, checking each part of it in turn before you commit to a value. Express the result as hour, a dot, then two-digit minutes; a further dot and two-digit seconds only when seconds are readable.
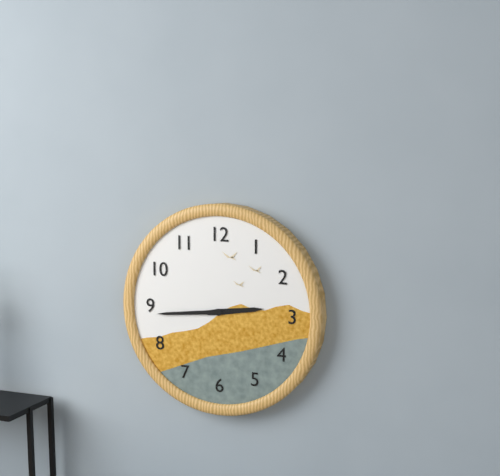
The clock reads 2.44
